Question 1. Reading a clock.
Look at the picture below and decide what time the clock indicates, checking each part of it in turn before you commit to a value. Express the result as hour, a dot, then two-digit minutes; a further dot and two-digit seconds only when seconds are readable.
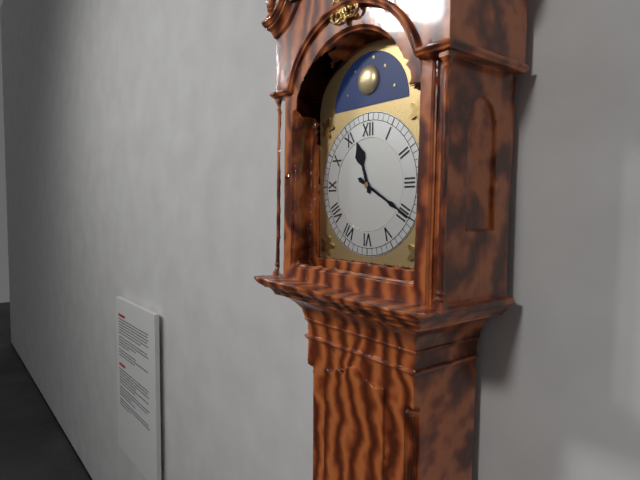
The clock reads 11.20
